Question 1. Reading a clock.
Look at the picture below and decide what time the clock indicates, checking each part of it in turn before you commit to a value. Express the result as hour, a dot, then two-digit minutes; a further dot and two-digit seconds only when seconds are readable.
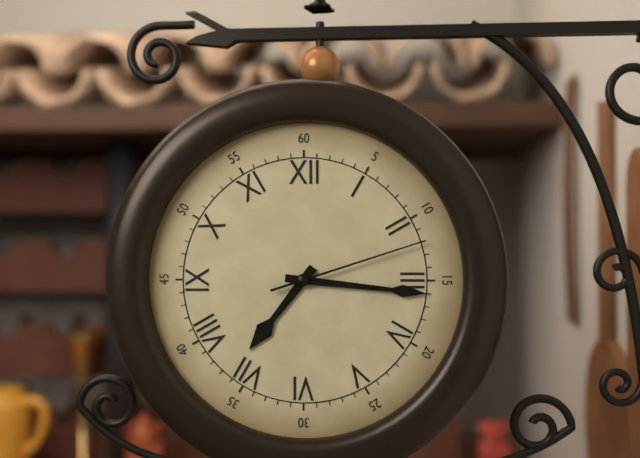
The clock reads 7.16.12
